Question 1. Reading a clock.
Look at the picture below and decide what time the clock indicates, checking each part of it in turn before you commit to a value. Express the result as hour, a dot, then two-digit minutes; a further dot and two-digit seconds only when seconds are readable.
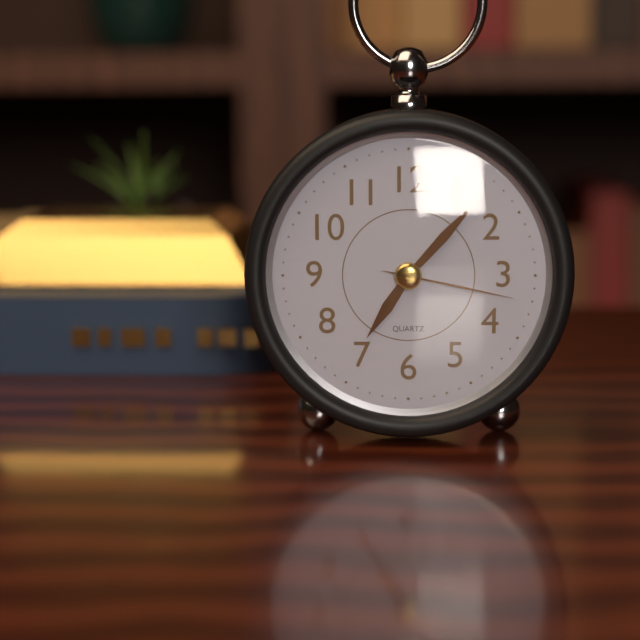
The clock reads 7.07.17
